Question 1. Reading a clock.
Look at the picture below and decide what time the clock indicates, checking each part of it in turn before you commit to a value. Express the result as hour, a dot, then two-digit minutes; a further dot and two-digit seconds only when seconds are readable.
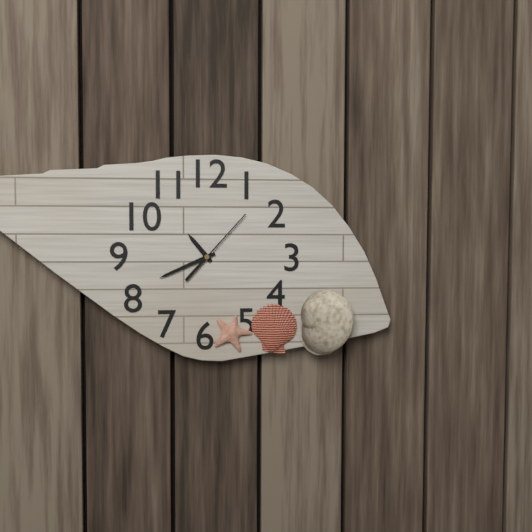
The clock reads 10.41.07
